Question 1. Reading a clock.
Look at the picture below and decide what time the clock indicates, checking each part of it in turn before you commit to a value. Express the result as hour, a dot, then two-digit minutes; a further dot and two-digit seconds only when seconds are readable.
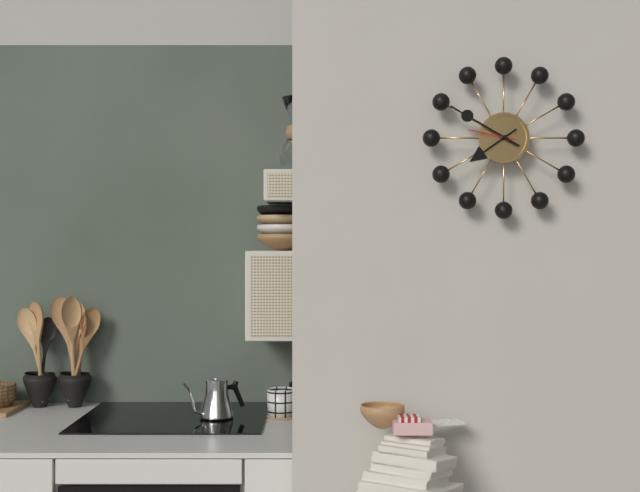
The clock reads 7.50
